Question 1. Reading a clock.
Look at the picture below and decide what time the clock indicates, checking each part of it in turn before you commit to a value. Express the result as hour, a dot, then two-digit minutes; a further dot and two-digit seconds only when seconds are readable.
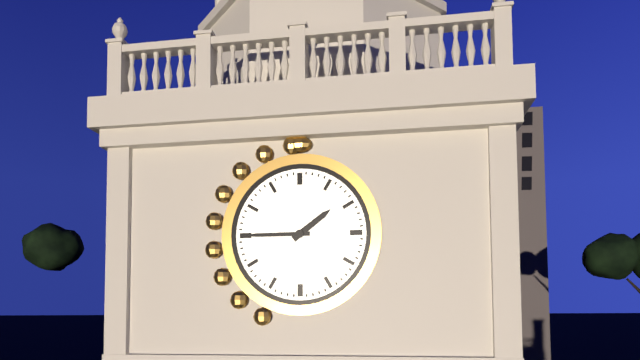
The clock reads 1.45
